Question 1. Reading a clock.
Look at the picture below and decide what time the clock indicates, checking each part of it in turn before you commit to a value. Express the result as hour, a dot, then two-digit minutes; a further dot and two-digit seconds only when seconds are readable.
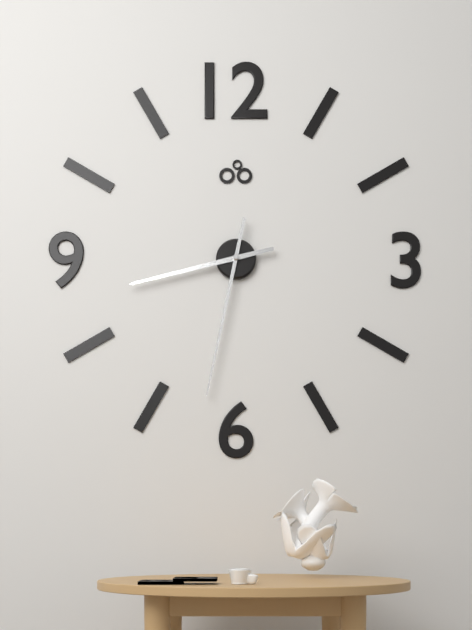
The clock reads 8.32
